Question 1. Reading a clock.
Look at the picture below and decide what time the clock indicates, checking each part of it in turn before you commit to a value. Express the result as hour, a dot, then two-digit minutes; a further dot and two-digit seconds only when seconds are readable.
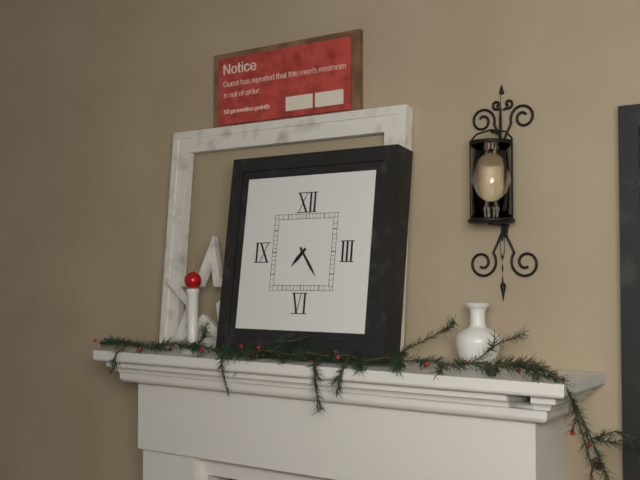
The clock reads 7.24
